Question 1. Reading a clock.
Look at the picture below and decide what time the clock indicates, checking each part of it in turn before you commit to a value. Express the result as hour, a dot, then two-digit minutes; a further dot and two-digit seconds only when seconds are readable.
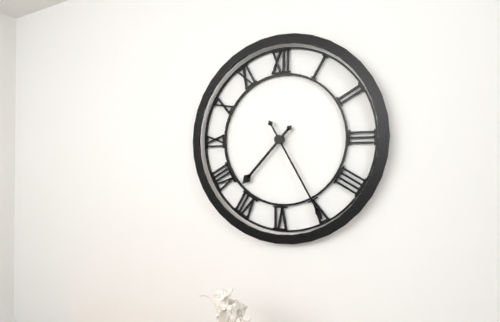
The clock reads 7.25
